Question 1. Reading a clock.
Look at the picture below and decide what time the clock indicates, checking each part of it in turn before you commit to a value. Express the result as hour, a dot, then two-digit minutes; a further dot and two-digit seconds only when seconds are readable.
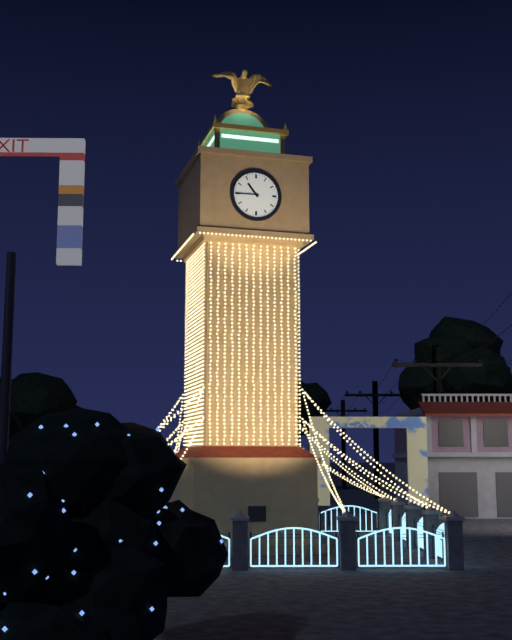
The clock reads 10.45
